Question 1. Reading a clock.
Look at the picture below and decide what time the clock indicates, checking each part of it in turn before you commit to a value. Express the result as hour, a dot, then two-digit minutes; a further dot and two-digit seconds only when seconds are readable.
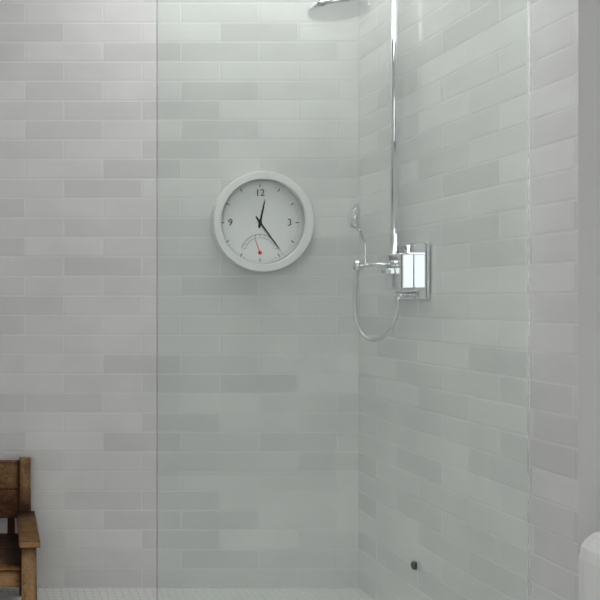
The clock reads 12.24
